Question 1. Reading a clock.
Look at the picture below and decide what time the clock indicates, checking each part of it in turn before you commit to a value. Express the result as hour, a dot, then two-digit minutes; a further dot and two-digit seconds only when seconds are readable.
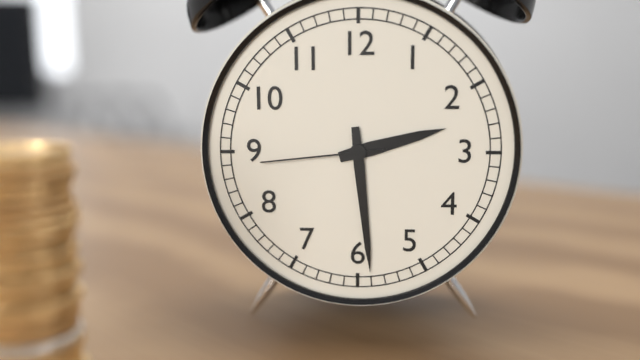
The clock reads 2.29.44
